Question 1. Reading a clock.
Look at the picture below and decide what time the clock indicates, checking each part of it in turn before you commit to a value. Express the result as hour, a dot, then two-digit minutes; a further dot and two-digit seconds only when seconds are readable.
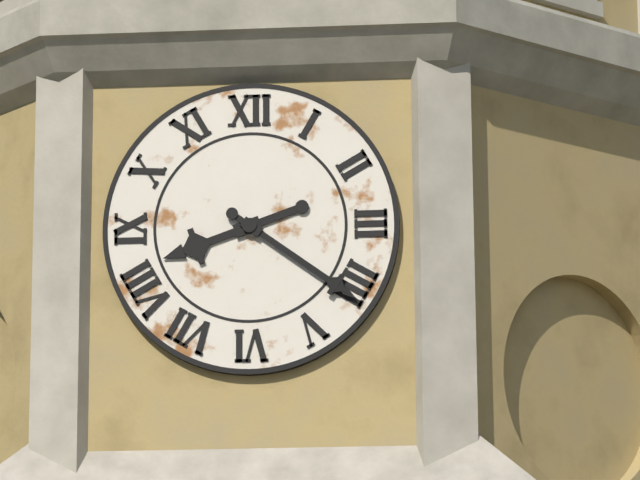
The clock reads 8.21
